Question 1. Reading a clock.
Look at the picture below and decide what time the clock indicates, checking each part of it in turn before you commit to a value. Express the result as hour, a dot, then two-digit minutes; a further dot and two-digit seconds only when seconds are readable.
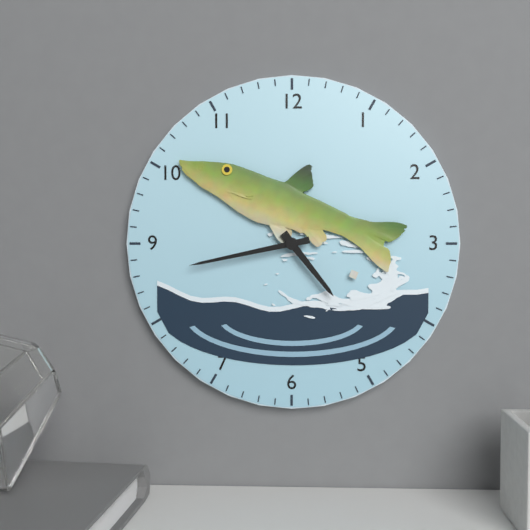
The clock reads 4.43
